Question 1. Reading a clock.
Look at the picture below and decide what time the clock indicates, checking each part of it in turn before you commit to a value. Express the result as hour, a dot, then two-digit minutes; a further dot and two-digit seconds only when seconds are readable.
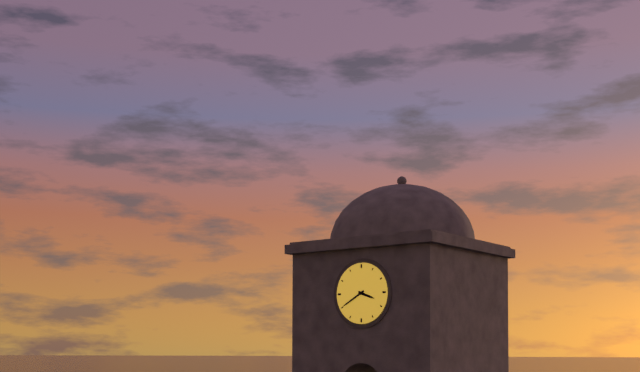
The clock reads 3.40
